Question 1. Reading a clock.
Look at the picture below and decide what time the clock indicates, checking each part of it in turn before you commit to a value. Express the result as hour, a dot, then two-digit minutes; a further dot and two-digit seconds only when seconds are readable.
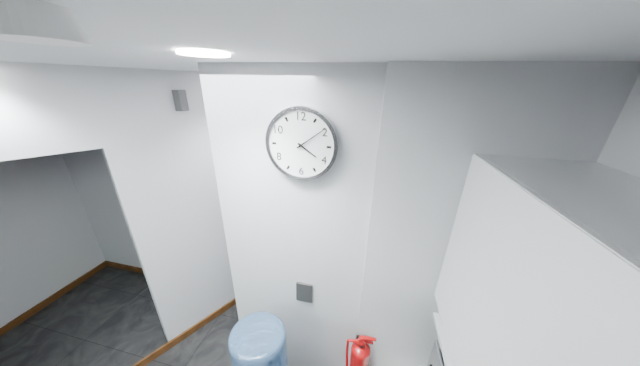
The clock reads 4.09
